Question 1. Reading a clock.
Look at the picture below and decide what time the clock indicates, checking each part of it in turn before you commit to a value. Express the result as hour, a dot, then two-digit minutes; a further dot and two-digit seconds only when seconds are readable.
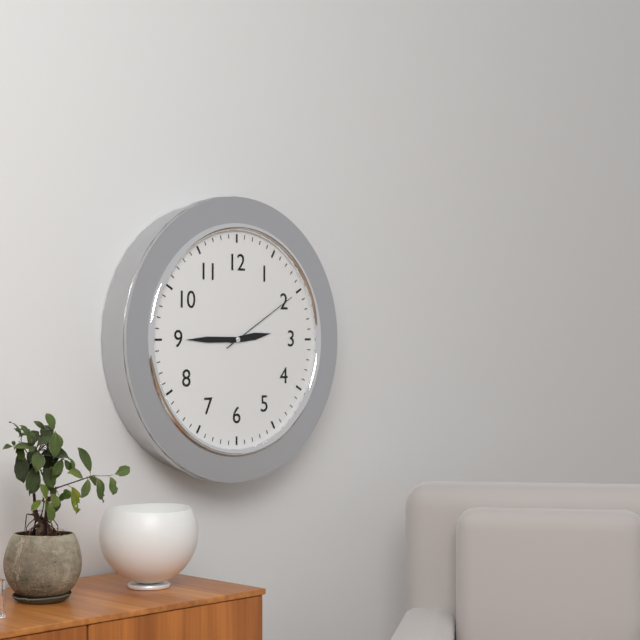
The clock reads 2.45.10
